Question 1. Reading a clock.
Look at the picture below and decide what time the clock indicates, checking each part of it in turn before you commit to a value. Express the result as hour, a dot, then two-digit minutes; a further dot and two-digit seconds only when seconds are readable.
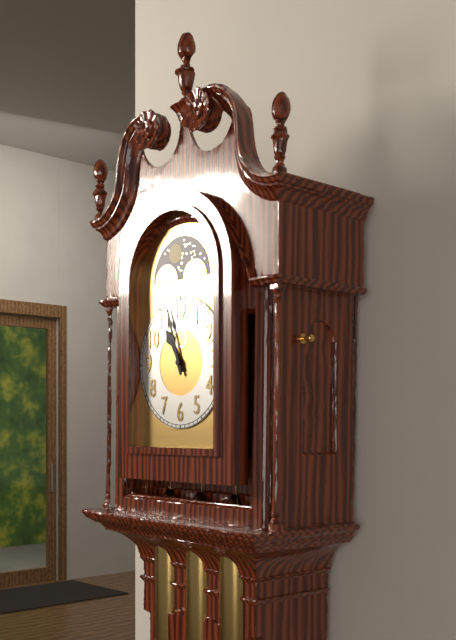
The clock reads 10.57
